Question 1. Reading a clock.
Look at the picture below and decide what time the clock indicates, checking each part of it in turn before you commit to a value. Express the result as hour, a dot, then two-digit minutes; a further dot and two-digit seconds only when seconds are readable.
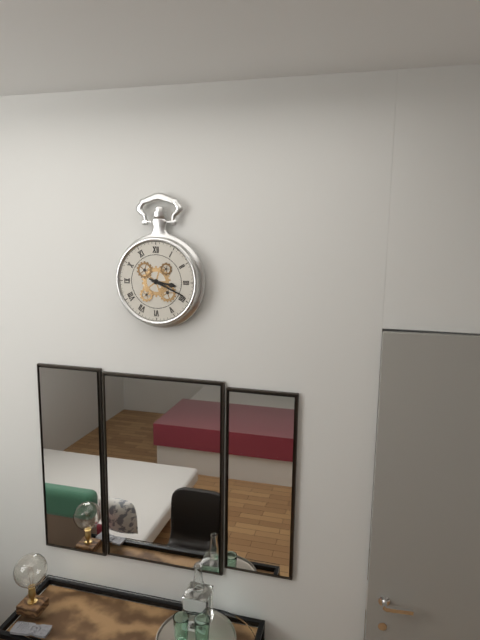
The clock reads 3.19
